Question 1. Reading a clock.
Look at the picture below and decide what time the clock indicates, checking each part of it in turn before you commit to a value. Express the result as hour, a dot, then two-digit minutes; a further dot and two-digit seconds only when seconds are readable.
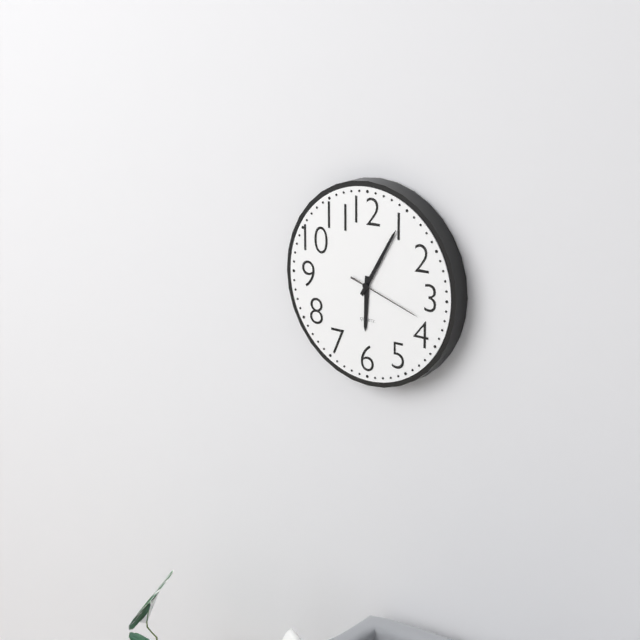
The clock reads 6.05.18
